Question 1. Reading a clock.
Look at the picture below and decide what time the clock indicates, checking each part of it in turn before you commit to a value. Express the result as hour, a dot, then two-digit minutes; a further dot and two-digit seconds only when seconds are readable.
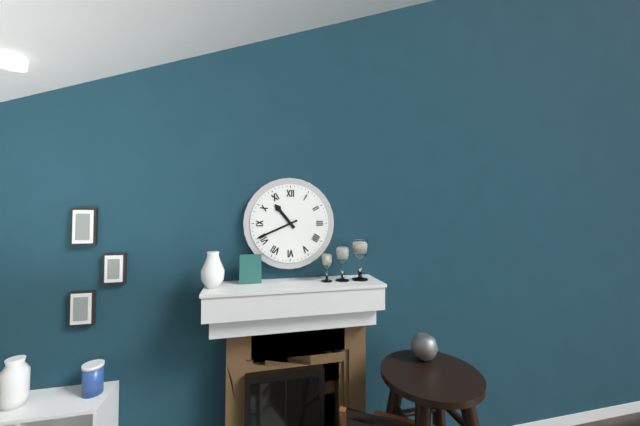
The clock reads 10.41
